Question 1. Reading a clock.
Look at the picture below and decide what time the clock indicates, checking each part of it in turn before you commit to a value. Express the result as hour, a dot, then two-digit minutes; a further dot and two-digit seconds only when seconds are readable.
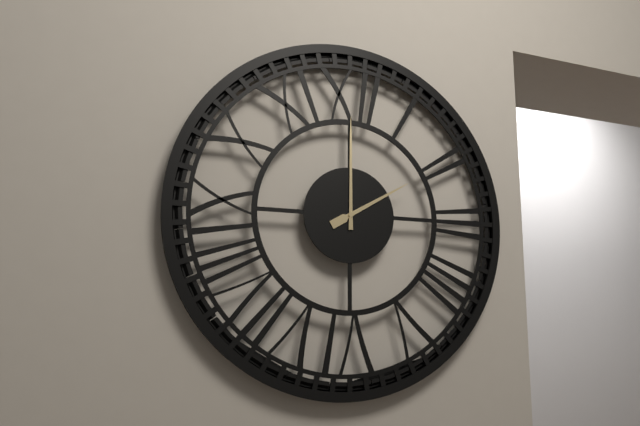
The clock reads 2.00
